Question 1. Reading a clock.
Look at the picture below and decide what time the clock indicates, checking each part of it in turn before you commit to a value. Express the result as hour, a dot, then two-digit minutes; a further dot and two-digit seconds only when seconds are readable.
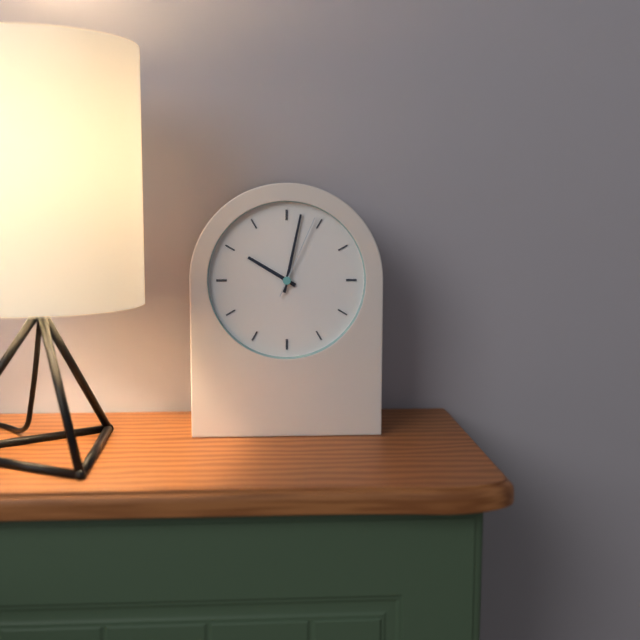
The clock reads 10.02.04
